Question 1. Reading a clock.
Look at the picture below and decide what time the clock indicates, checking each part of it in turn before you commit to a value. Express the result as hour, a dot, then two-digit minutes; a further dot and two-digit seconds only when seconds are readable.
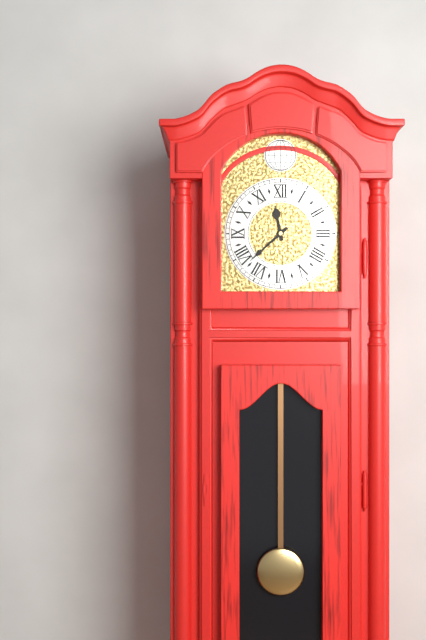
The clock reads 11.38
